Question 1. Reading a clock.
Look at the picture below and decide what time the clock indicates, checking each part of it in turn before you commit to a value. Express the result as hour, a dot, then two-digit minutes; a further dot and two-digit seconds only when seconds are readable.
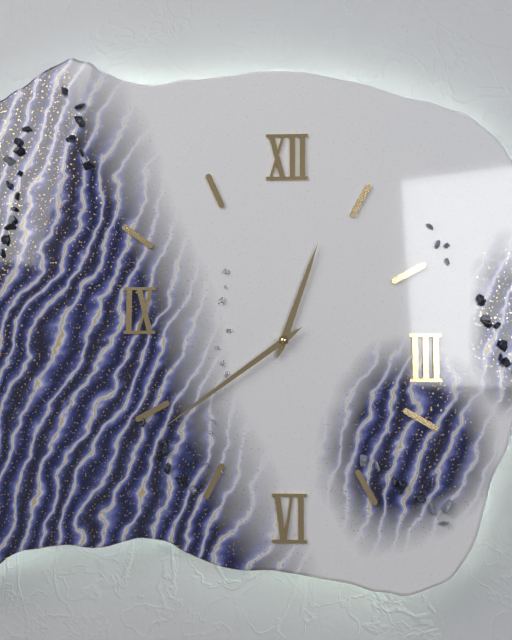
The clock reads 12.39
